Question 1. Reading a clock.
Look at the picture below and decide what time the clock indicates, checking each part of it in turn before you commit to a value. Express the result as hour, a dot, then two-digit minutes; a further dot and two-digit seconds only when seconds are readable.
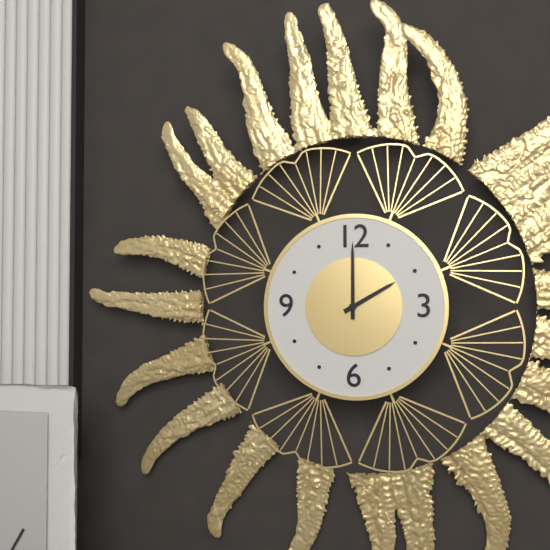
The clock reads 2.00
